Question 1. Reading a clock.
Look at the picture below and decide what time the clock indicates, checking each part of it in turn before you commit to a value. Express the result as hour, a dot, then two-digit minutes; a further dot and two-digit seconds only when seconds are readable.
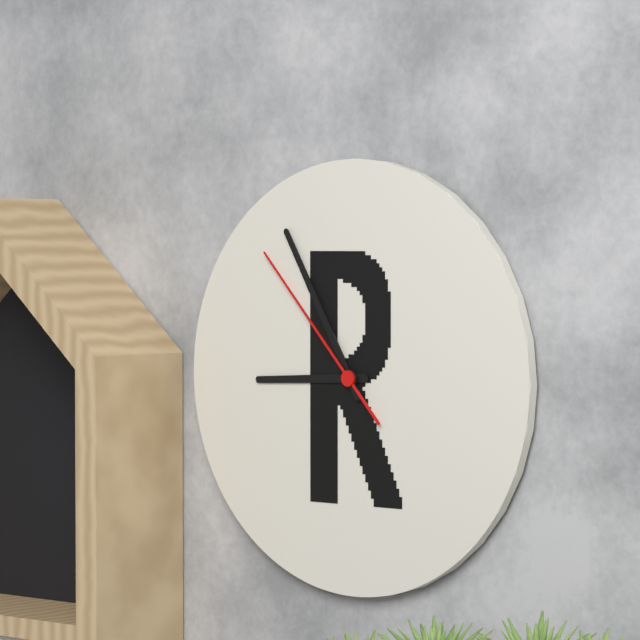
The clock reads 8.55.53
